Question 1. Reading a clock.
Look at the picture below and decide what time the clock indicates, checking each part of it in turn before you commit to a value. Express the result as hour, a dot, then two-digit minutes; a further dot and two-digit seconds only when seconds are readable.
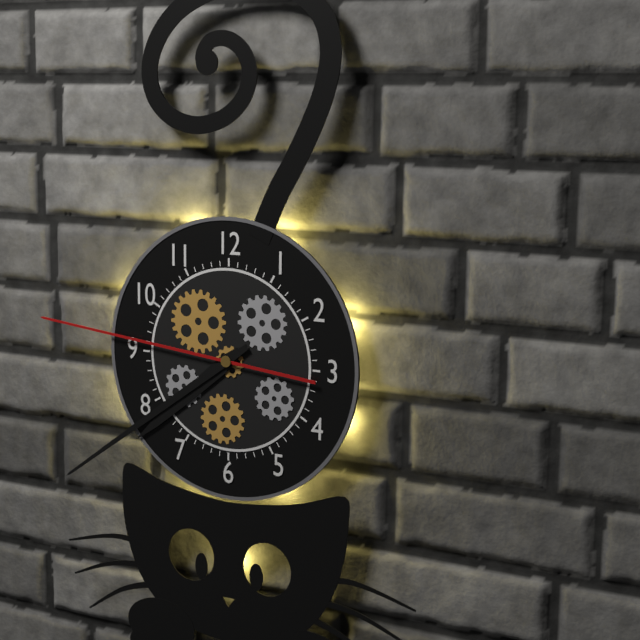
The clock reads 7.39.46
